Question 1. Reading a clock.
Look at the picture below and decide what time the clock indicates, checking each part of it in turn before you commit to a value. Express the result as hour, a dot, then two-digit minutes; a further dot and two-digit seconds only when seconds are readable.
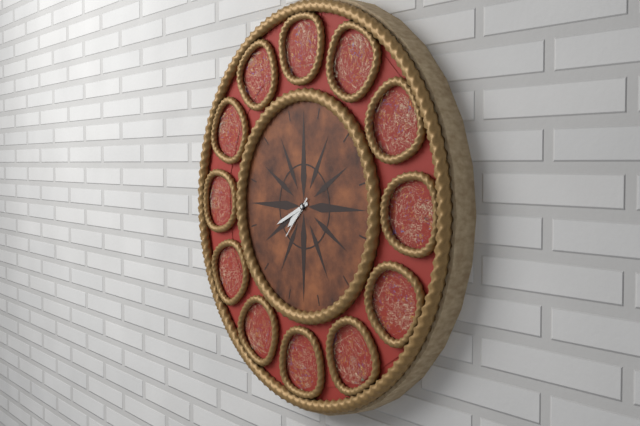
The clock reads 7.41
